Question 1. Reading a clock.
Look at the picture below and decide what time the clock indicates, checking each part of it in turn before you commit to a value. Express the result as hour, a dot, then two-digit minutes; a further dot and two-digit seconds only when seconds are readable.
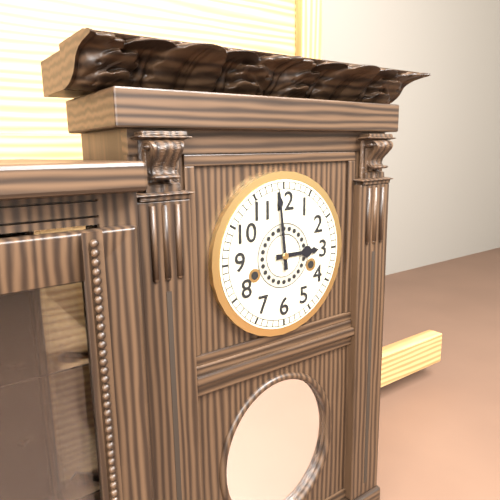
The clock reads 2.59
